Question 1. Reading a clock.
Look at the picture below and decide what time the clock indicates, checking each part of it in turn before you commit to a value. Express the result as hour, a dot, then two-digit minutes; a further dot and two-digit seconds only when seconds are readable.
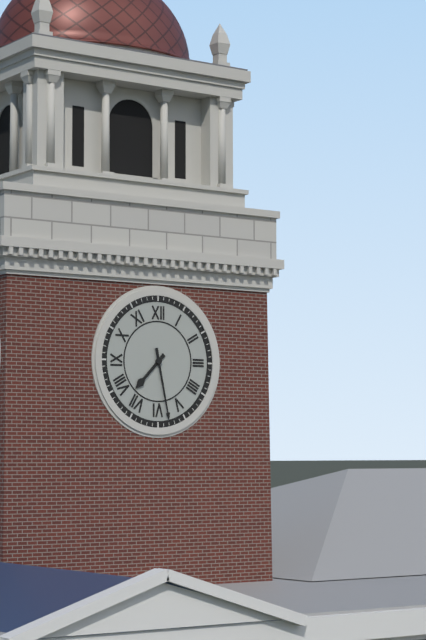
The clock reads 7.28
